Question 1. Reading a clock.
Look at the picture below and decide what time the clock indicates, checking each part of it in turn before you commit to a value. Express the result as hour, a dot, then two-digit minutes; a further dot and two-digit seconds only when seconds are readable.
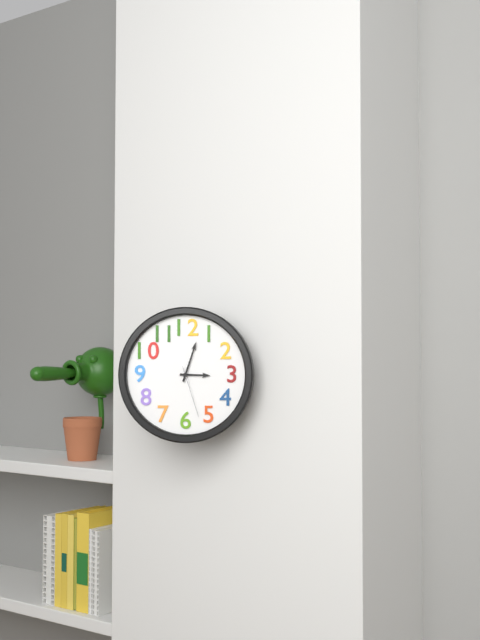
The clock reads 3.03.27
